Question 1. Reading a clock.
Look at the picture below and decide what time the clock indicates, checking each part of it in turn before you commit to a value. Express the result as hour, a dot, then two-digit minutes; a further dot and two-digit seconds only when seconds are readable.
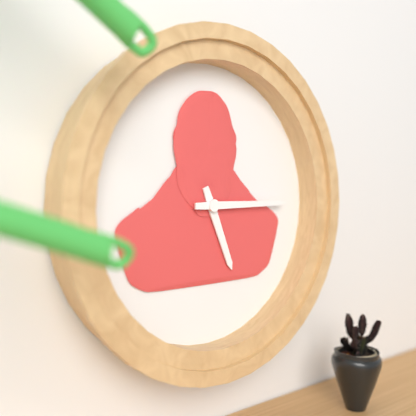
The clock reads 5.15
